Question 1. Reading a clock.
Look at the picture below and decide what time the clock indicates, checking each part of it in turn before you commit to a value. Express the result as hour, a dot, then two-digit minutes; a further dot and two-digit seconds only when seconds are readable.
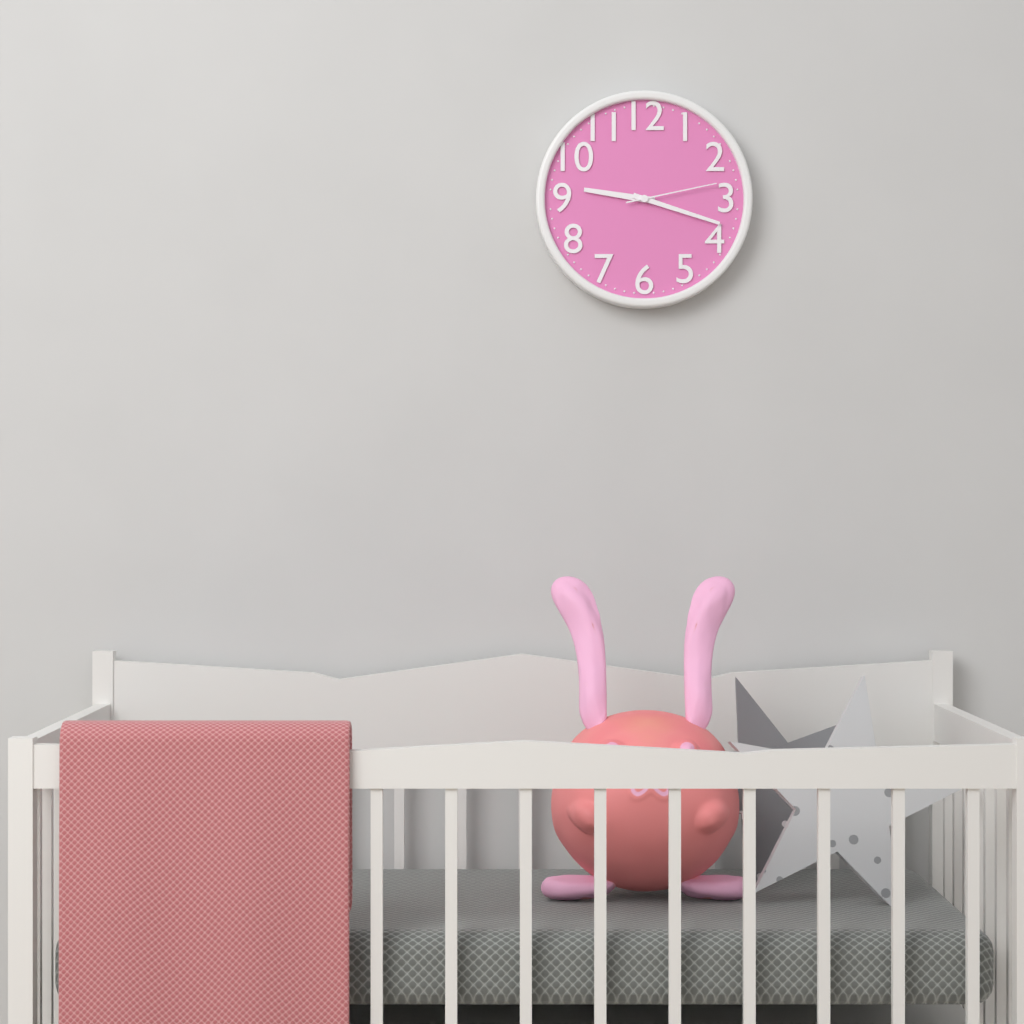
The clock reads 9.18.13
